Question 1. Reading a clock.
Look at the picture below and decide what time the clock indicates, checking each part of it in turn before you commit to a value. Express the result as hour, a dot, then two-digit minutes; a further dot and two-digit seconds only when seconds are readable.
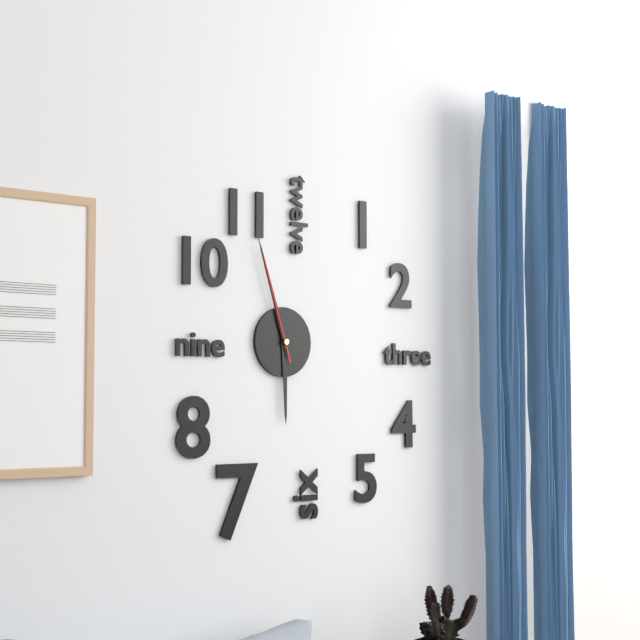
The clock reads 5.57.57
